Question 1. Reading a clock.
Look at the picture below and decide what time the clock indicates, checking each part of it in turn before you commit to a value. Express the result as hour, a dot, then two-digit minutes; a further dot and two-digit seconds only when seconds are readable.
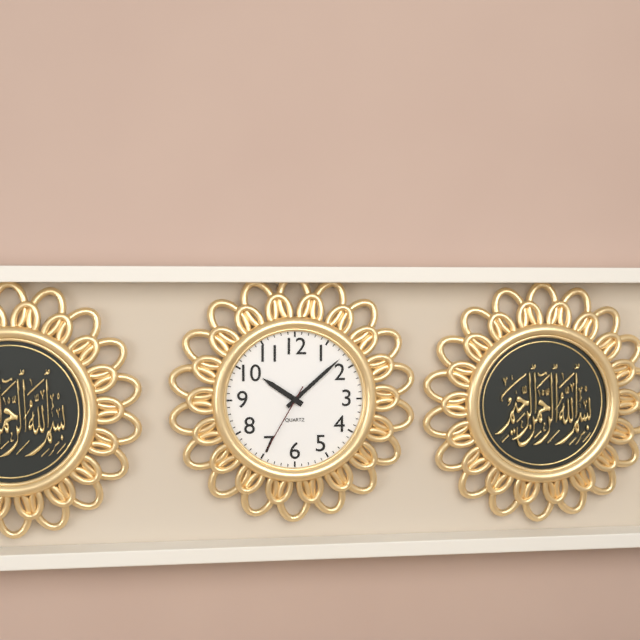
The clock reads 10.08.35
